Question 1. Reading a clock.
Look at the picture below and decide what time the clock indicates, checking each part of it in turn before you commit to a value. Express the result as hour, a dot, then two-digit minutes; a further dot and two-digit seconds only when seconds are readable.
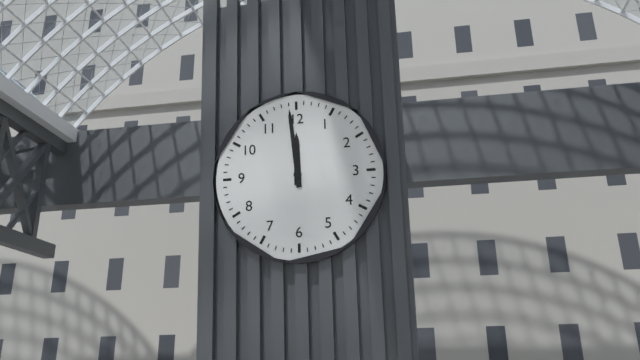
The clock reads 11.59
